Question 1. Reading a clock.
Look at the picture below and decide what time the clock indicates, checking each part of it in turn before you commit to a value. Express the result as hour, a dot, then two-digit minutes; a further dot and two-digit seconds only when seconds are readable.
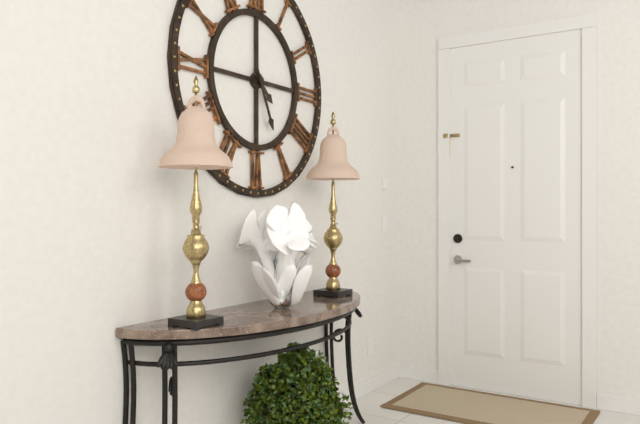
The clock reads 4.26
